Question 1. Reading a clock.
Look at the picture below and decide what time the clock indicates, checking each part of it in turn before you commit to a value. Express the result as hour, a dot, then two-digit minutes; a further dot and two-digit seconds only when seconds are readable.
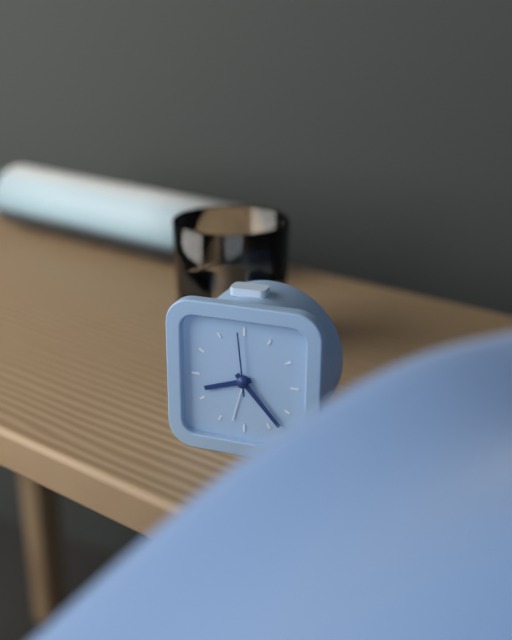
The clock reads 8.23.59
